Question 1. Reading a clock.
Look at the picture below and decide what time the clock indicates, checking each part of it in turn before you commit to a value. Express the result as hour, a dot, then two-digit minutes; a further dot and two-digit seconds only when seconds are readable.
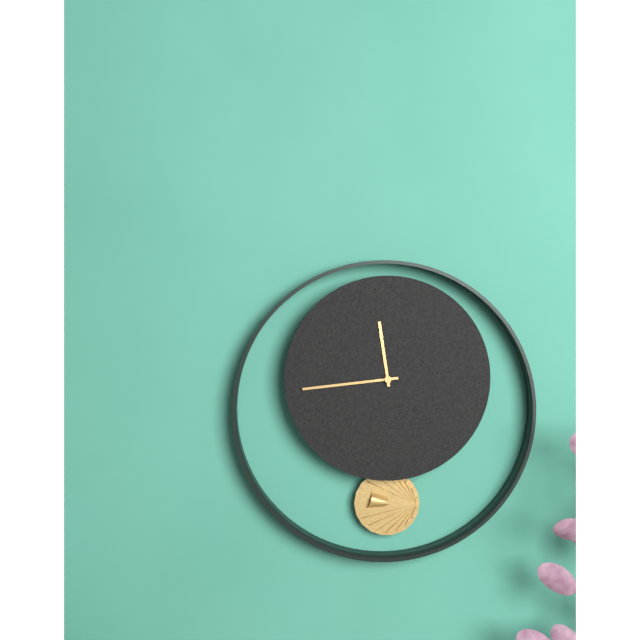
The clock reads 11.44
